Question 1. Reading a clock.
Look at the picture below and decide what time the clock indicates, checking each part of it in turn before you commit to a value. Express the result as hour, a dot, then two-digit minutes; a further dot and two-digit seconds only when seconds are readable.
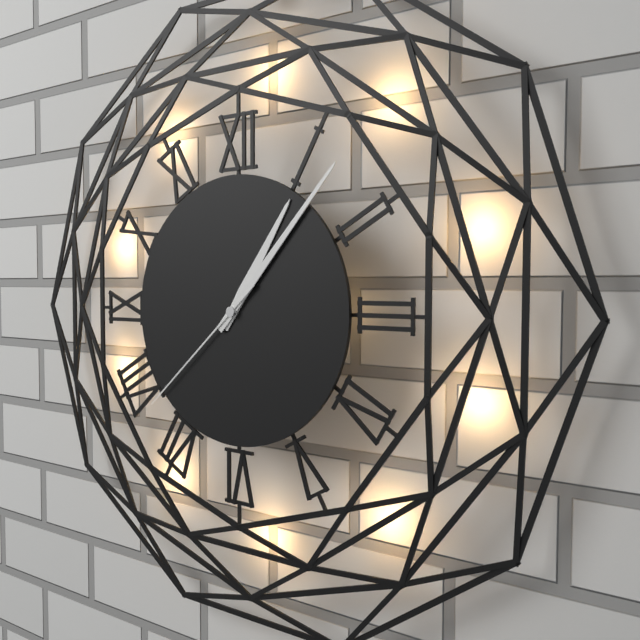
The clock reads 1.07.38
